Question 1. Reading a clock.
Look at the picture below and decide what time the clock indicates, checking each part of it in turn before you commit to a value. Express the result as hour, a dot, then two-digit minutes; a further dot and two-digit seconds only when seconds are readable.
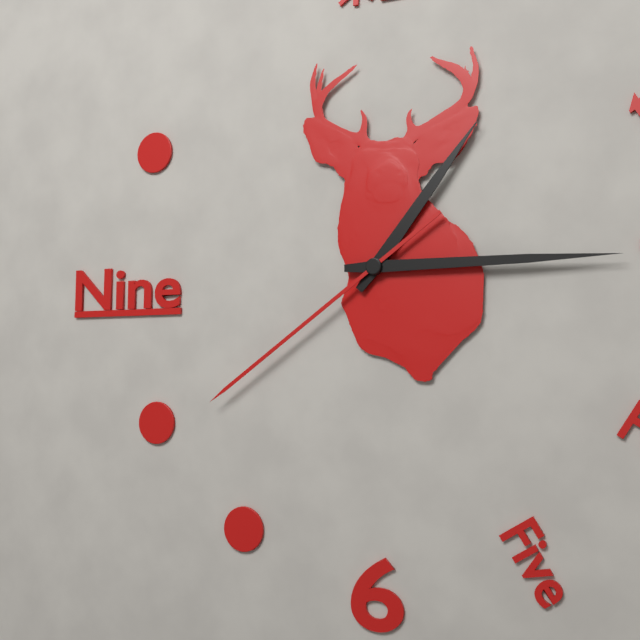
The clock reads 1.15.39
